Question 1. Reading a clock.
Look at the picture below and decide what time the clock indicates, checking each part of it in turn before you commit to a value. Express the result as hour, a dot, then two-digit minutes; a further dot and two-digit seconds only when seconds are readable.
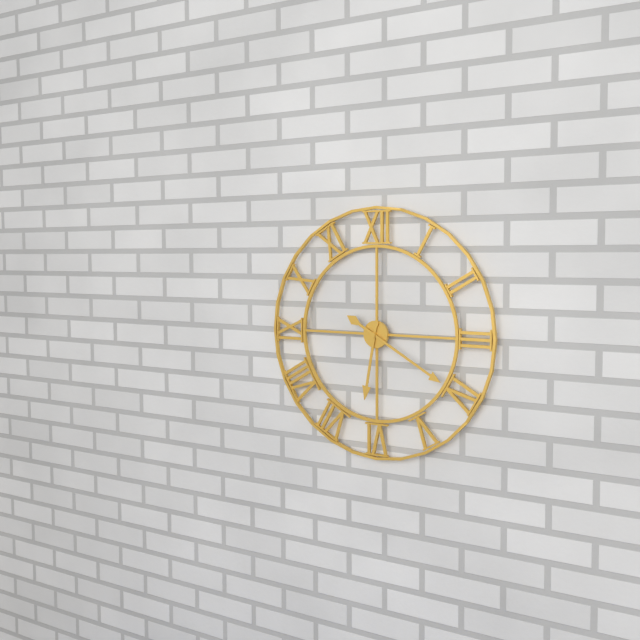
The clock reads 6.20
